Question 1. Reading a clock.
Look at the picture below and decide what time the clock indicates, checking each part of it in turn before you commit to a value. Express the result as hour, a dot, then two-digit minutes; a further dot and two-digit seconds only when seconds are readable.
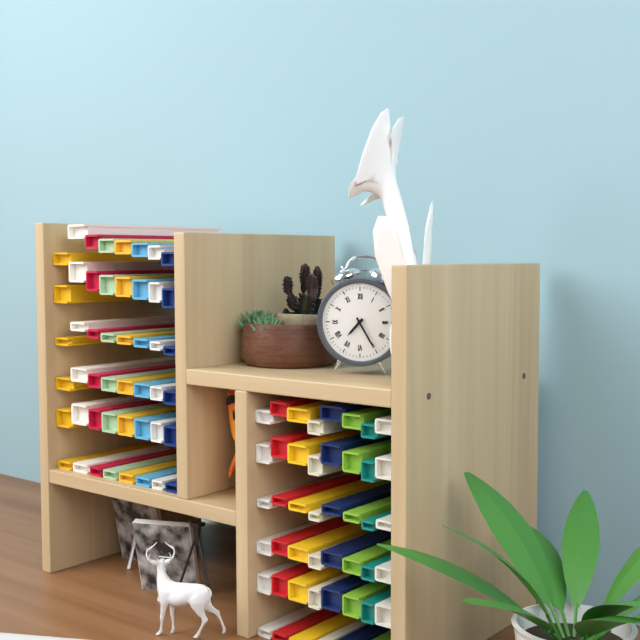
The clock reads 7.25
